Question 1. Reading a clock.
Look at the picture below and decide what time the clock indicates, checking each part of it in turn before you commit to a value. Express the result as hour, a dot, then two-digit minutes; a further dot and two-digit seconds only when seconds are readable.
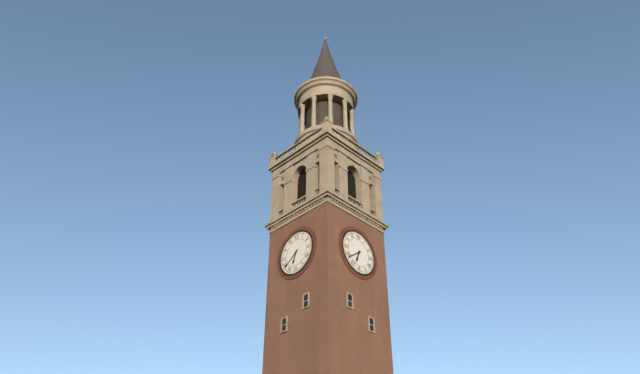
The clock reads 6.39
